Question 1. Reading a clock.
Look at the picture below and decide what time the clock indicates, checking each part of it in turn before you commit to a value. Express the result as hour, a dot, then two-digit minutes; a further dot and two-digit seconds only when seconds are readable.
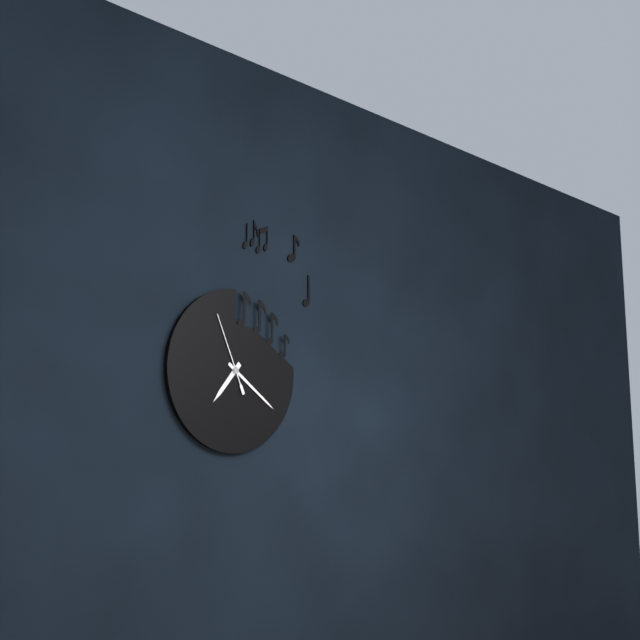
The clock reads 7.21.56
